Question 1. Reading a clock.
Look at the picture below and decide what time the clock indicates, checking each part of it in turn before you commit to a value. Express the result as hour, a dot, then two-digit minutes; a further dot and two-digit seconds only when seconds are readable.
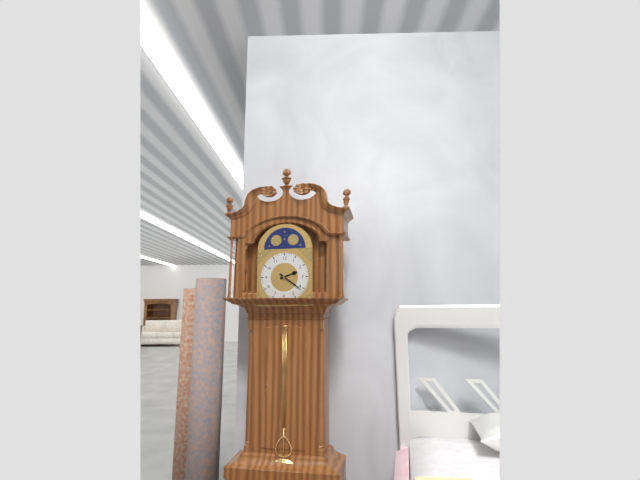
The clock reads 2.21
